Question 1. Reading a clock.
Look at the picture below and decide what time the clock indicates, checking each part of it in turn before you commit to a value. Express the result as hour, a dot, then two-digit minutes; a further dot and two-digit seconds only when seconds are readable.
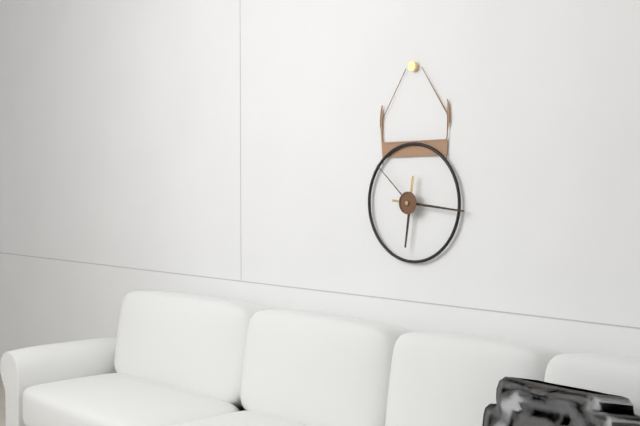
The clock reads 6.16.52
